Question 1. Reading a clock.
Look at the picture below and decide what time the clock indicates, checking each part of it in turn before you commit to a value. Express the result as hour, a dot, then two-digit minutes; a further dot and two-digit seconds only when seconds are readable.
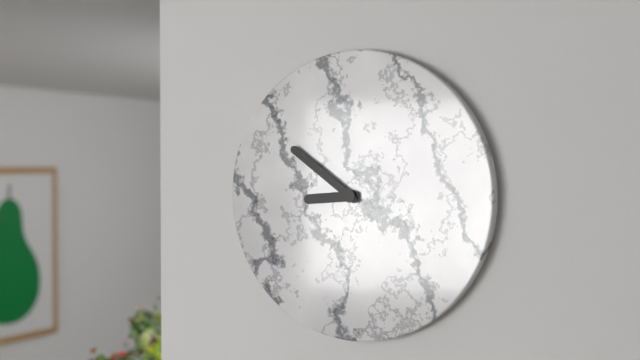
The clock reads 8.51
